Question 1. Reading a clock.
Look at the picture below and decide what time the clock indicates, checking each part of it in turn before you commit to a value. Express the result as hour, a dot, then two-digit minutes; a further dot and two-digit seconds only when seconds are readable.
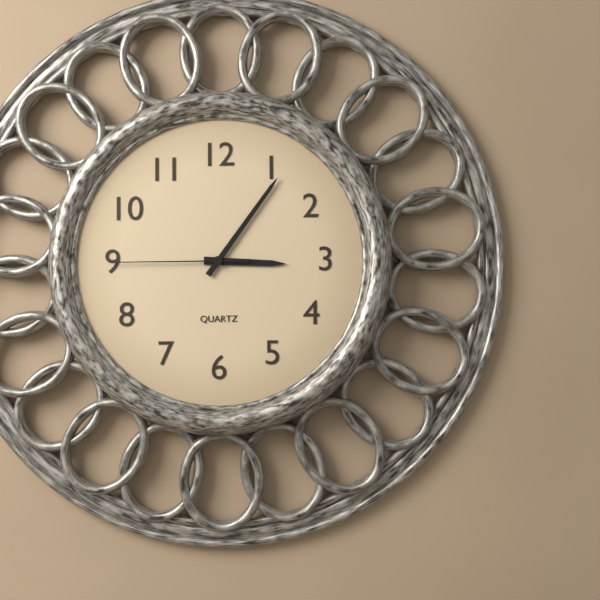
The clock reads 3.06.45
